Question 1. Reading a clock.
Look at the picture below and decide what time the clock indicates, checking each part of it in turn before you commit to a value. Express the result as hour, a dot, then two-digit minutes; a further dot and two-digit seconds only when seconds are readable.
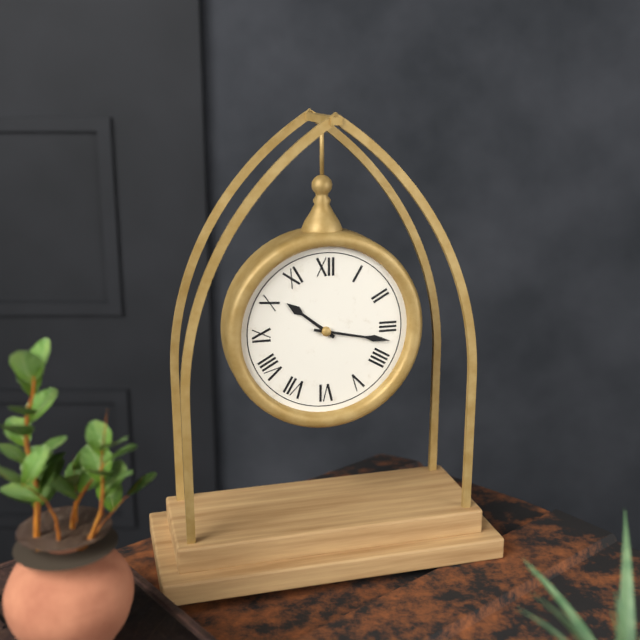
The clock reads 10.17
